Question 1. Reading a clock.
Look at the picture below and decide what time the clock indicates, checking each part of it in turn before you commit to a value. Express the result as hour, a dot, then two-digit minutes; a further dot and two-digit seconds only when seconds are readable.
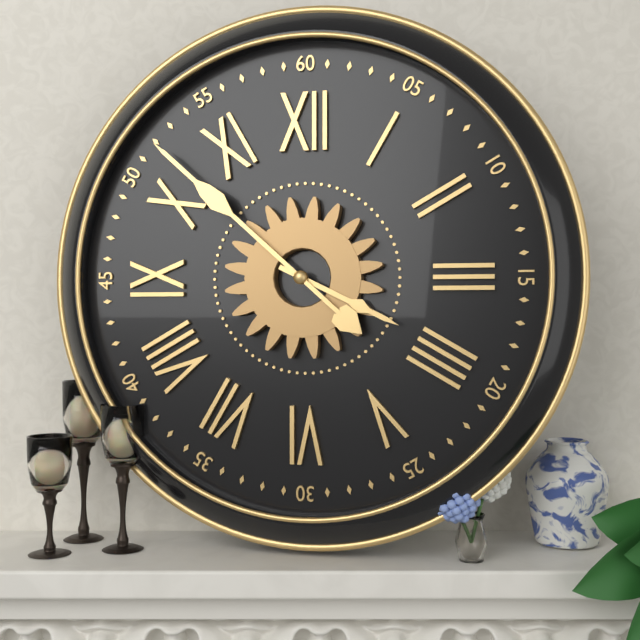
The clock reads 3.52
